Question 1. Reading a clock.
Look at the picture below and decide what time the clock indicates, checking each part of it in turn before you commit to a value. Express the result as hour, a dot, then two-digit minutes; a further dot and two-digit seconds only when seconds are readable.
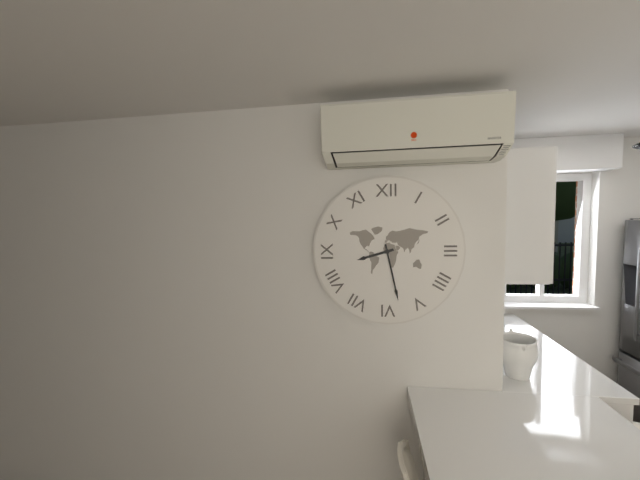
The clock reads 8.28
